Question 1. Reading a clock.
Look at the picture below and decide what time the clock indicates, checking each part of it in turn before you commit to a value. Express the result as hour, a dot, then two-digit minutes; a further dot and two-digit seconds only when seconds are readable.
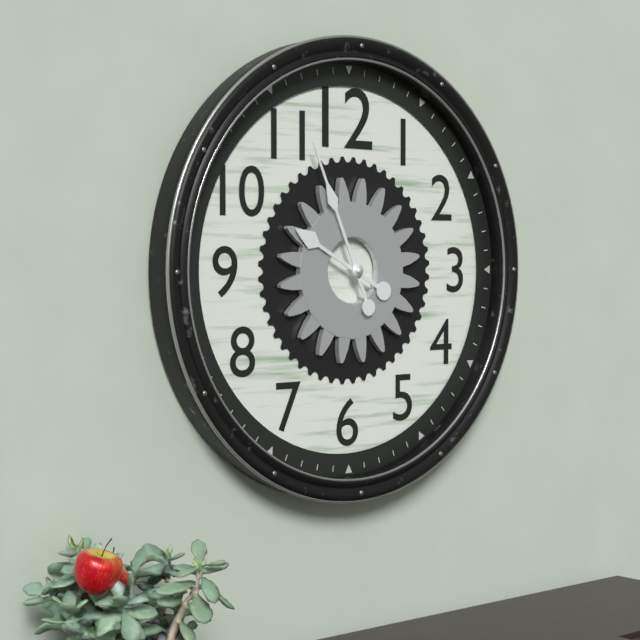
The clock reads 9.56
